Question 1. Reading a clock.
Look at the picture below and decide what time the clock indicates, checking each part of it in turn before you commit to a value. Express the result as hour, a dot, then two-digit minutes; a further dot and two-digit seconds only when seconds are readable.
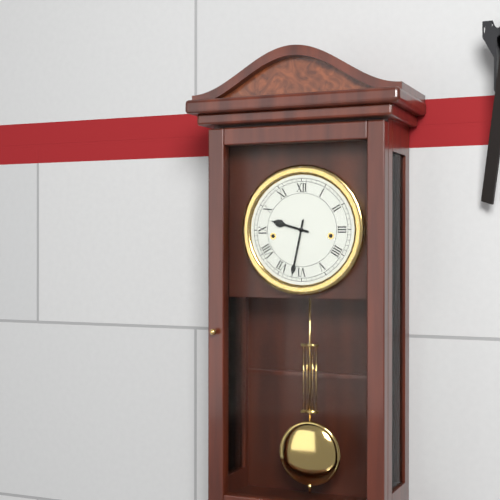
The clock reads 9.32
